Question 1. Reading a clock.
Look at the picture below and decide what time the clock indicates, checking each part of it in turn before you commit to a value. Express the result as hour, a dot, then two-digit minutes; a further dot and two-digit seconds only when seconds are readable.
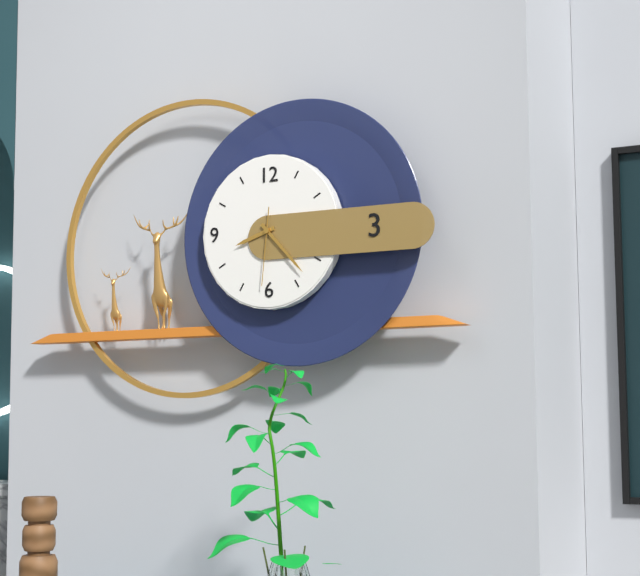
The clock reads 8.23.31
